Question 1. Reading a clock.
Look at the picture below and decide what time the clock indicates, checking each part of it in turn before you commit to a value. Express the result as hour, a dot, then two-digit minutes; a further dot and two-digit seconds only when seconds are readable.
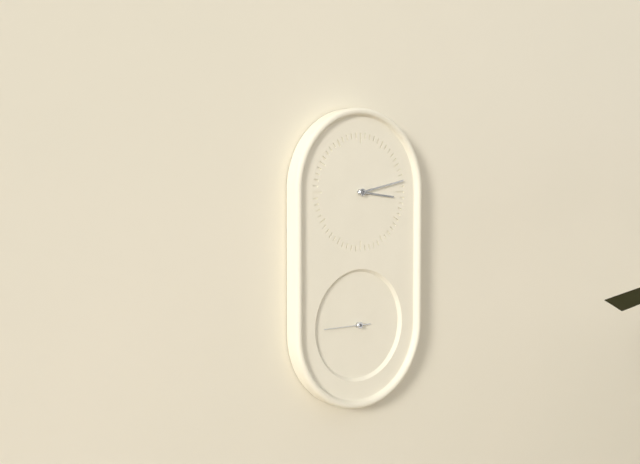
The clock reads 3.13
